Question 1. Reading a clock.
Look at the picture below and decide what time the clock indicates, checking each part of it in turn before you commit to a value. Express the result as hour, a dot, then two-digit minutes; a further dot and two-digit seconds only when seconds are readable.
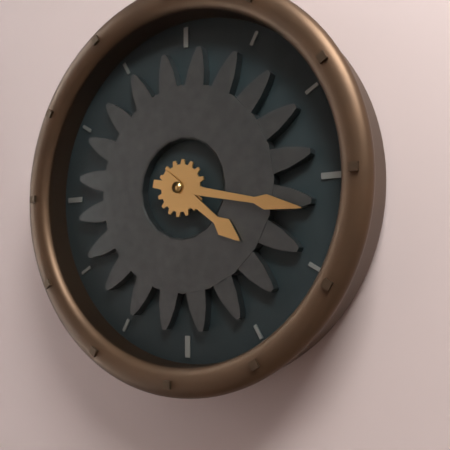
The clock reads 4.17
